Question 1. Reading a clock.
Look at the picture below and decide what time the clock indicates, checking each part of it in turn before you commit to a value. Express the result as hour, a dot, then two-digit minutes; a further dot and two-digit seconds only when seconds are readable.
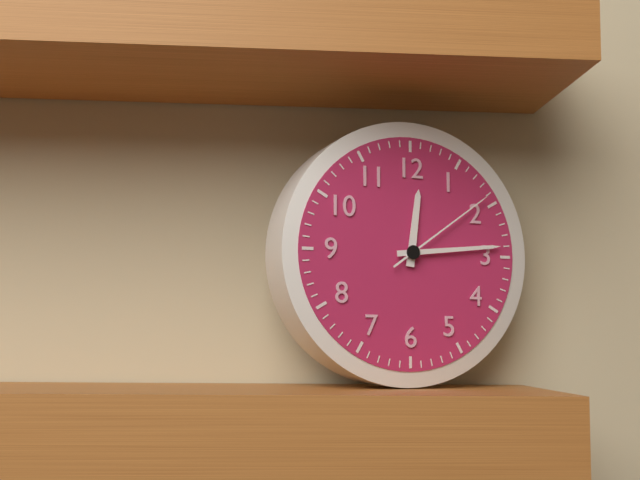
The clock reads 12.14.09
